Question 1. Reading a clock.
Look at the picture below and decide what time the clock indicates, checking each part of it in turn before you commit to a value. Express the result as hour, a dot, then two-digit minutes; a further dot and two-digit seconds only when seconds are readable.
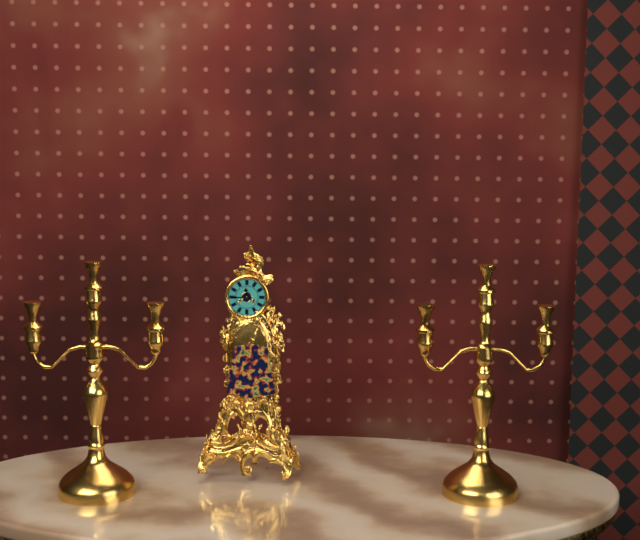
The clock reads 11.45
